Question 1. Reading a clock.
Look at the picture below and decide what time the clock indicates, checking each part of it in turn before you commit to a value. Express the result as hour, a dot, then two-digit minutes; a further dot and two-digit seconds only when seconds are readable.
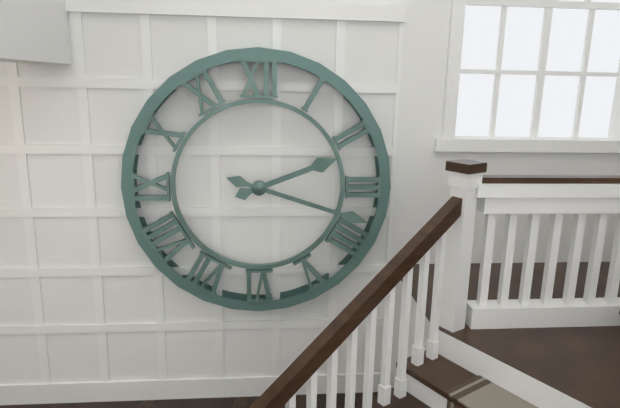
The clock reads 2.18
